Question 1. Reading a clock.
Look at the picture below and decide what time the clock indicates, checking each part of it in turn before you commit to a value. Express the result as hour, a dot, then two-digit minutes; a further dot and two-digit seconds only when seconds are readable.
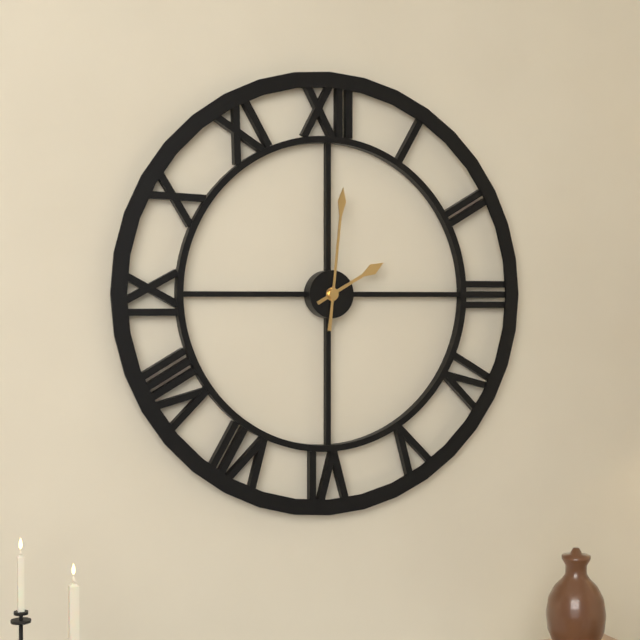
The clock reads 2.01
